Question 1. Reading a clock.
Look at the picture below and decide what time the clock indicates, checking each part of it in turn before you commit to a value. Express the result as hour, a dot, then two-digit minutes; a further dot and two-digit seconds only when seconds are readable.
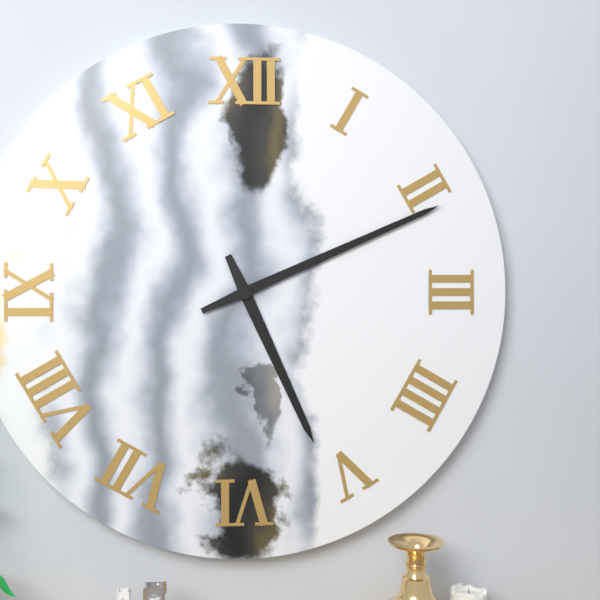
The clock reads 5.11
